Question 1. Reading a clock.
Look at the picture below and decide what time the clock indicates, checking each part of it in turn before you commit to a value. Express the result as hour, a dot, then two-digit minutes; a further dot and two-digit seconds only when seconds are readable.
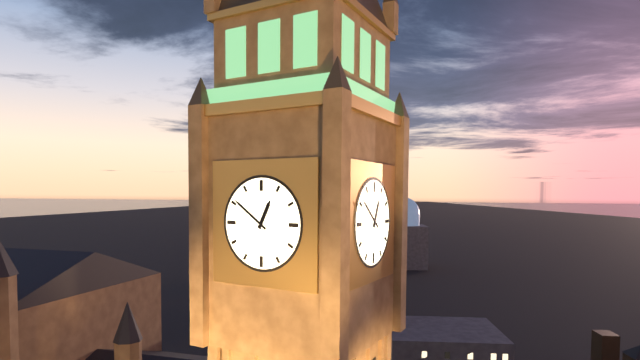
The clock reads 12.51
